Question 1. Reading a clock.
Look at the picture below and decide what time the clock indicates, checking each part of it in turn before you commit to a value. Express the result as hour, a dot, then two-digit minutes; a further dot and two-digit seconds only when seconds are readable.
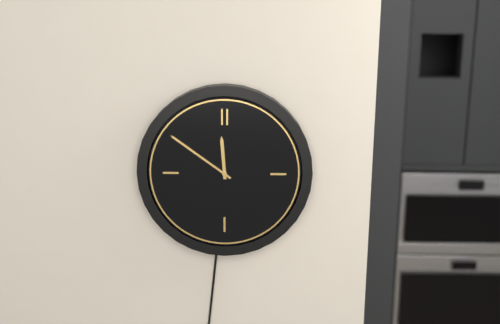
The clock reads 11.51
